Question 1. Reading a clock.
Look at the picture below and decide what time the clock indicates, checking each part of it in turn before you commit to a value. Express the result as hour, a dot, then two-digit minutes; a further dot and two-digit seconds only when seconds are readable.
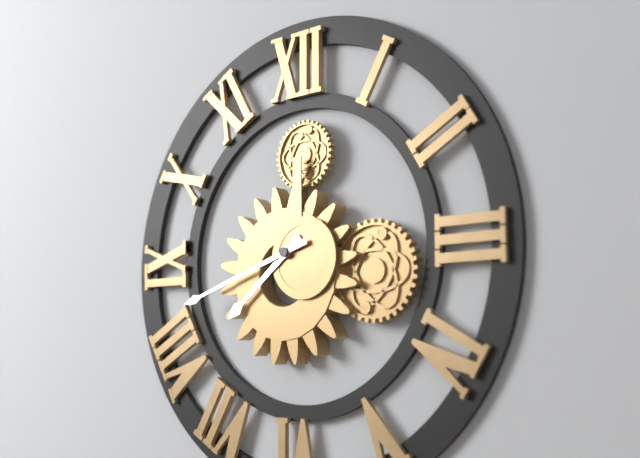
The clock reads 7.42
